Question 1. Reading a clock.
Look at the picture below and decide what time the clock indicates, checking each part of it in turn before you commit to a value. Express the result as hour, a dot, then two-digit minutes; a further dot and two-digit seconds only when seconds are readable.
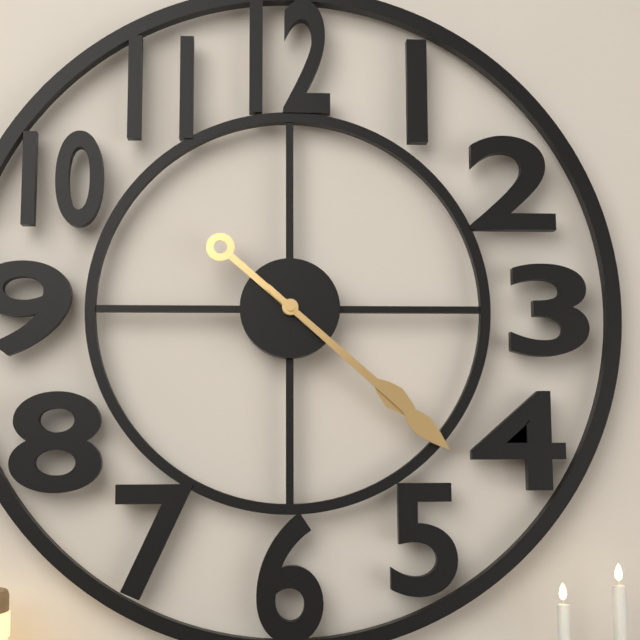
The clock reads 4.22
